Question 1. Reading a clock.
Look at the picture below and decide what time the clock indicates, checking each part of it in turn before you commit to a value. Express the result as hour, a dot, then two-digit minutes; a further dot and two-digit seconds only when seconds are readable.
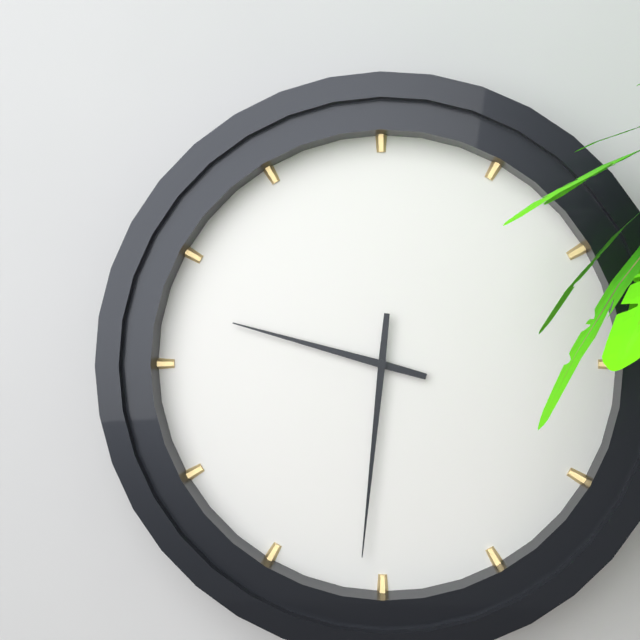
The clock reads 9.31
